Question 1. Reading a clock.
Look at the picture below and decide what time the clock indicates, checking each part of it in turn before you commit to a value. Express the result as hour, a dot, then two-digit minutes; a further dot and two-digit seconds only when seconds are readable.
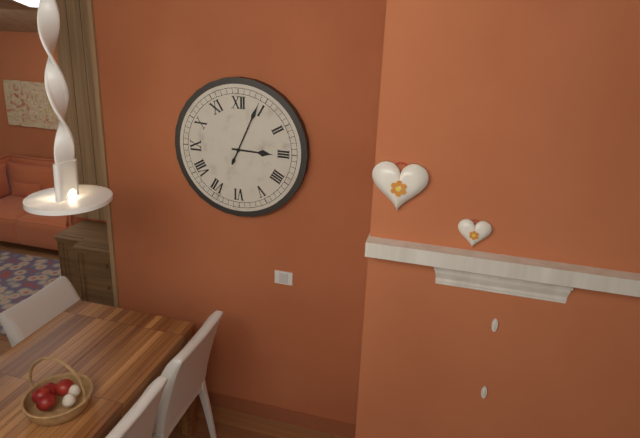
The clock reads 3.04
